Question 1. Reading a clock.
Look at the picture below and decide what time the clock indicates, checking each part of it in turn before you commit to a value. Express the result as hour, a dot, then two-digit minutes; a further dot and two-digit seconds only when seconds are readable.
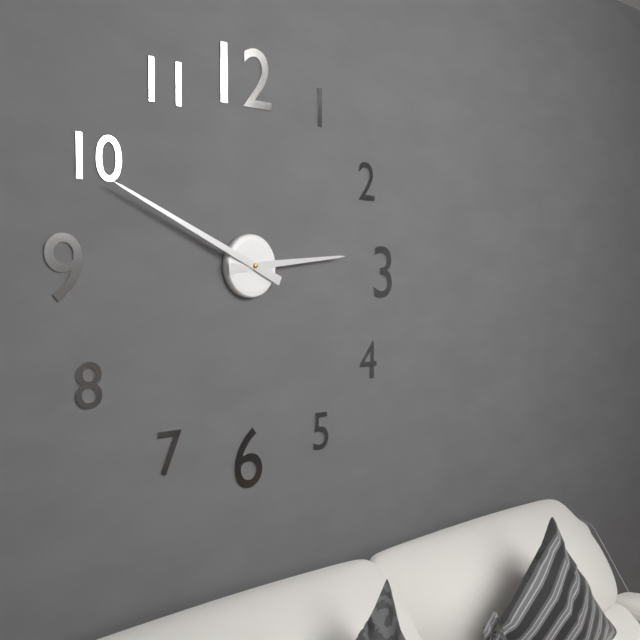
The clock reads 2.49
